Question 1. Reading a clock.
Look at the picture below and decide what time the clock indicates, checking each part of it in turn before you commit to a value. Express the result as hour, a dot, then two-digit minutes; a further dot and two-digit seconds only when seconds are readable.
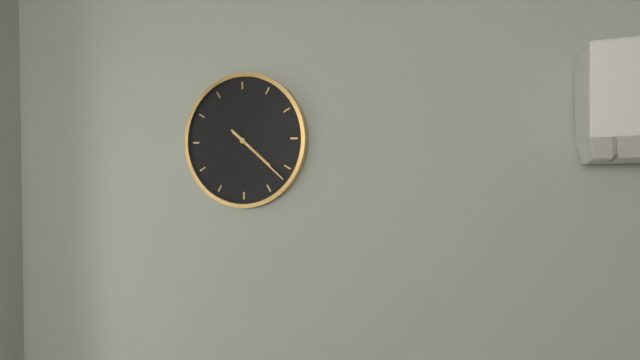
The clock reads 4.22
